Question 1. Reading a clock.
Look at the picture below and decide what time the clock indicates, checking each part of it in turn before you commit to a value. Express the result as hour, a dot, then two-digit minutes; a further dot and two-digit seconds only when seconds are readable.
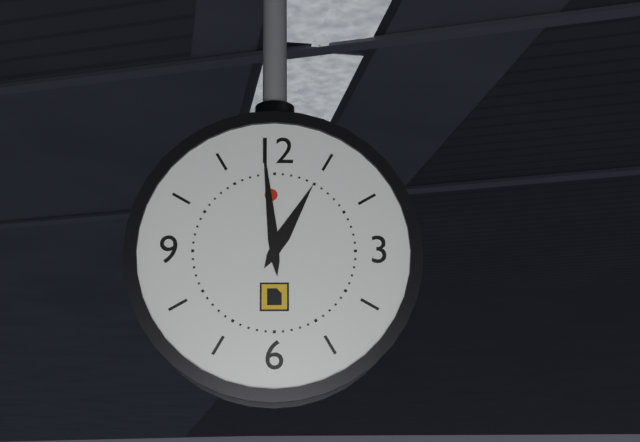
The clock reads 12.59
